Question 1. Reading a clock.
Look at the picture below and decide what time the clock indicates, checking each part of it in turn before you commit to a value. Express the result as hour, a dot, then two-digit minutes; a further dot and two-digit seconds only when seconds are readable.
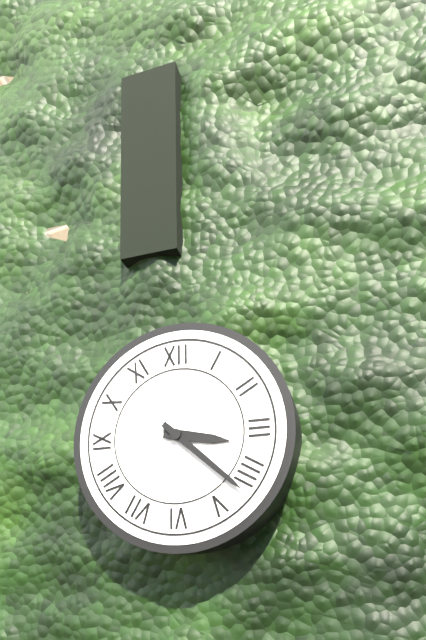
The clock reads 3.22
